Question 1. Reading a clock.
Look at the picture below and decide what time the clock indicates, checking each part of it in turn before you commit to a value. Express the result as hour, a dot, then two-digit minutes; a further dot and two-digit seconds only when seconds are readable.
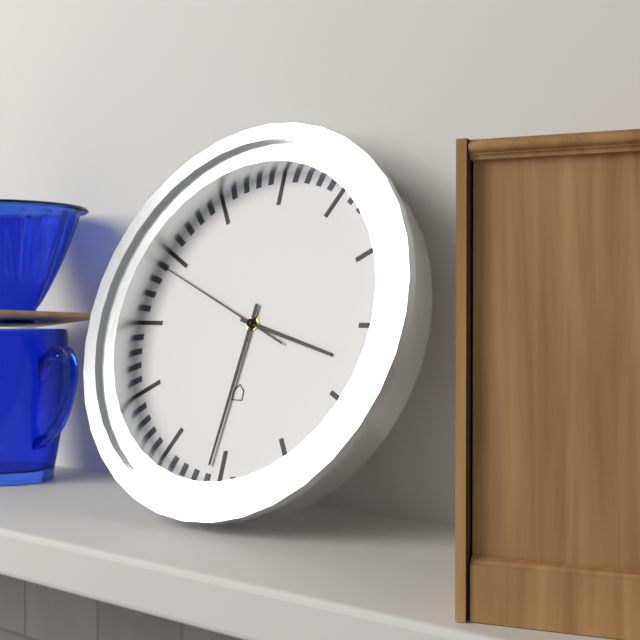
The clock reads 3.31.49
